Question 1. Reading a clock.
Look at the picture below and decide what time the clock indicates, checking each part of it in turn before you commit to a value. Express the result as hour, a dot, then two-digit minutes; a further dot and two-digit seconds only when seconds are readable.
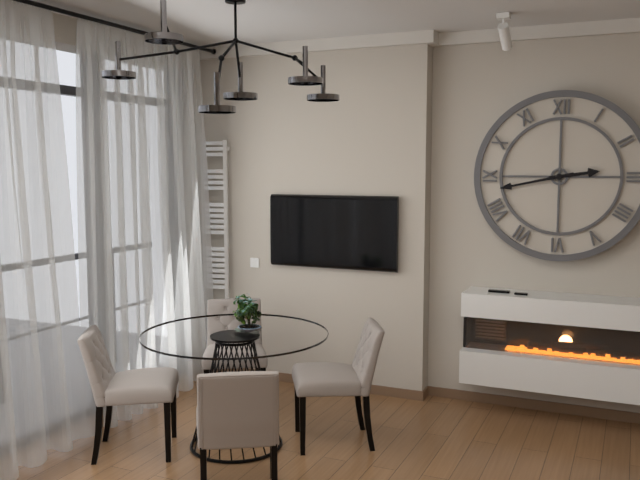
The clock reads 2.43
